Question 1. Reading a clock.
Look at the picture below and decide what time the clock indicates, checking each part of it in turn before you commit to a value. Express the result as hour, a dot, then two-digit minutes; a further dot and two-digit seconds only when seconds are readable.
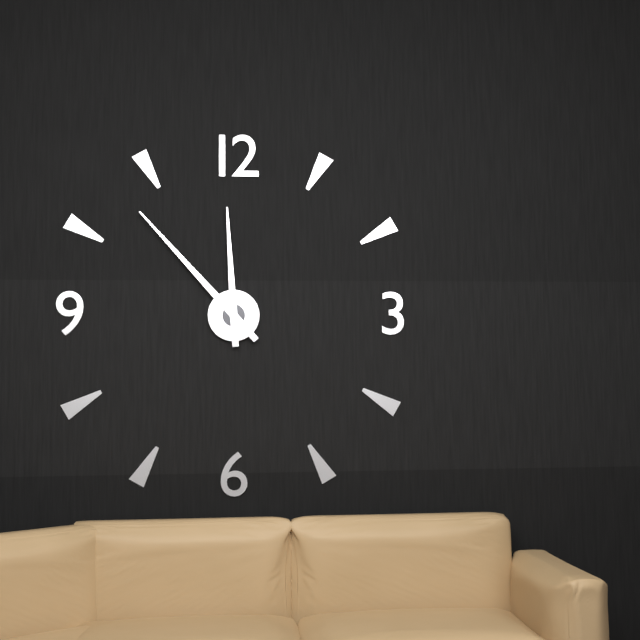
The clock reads 11.53
